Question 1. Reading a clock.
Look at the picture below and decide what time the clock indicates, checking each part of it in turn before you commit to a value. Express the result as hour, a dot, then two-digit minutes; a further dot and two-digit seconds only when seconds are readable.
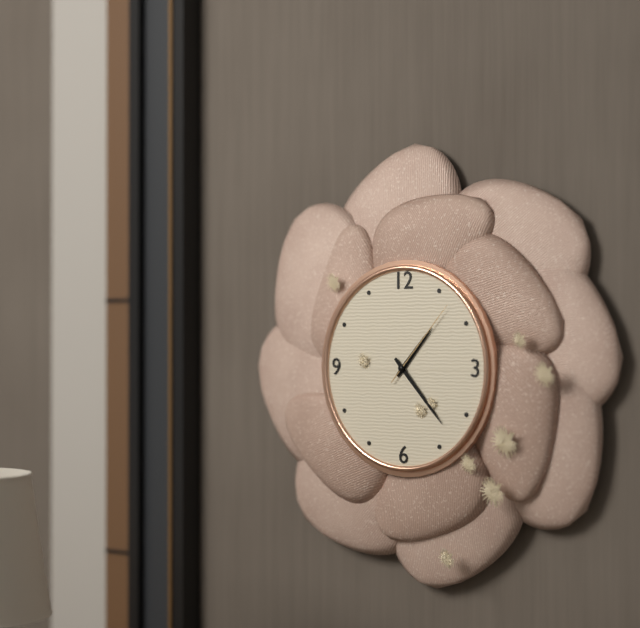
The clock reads 1.23.07
